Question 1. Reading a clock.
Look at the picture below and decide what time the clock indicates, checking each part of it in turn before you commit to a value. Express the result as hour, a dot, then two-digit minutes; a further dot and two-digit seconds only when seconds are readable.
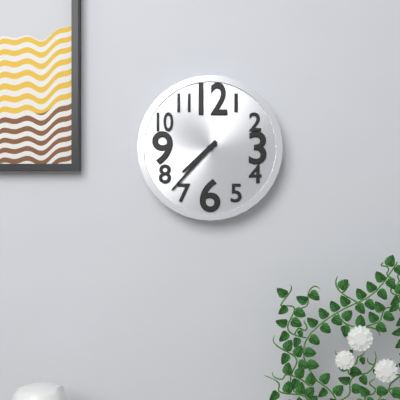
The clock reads 7.37
